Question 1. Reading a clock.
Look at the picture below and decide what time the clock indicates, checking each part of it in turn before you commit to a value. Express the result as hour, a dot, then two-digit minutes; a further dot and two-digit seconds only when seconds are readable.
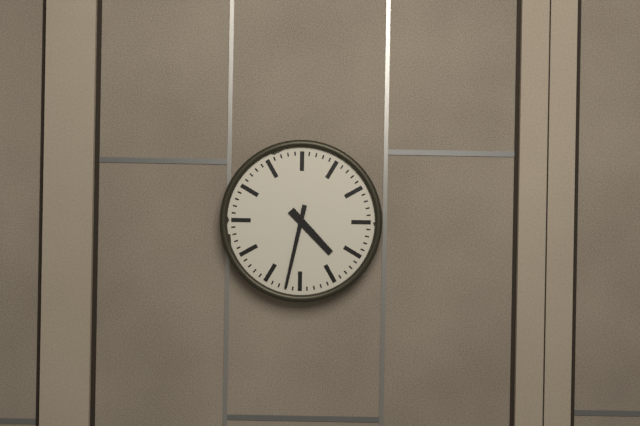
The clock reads 4.32
